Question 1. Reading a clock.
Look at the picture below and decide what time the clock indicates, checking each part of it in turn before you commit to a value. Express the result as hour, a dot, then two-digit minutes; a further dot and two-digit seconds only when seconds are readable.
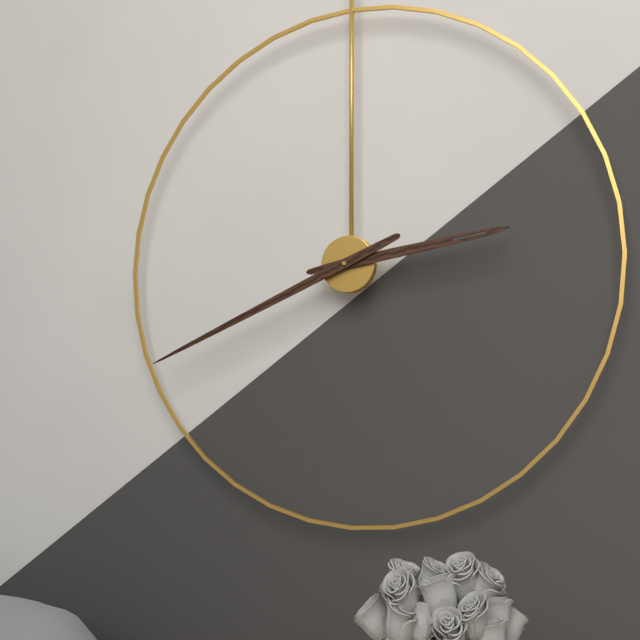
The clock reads 2.41
